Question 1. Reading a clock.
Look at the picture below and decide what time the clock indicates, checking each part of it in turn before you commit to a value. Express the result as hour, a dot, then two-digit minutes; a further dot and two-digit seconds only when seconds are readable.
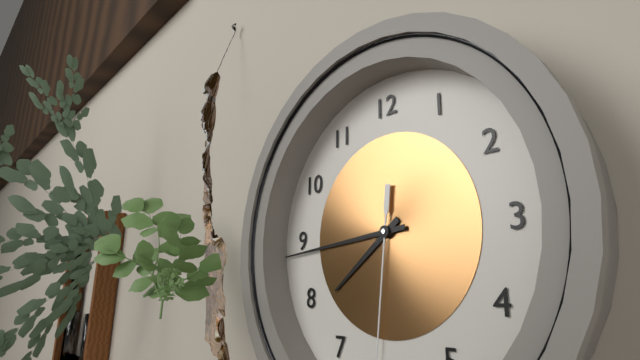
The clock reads 7.44
